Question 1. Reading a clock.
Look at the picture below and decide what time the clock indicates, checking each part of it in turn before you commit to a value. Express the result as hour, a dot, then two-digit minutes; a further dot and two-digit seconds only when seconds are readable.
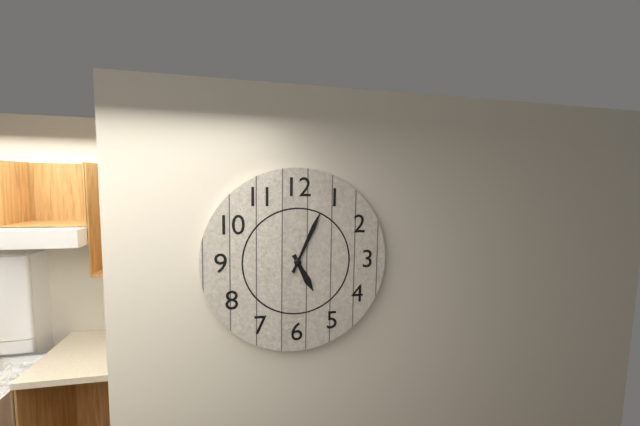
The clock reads 5.04
